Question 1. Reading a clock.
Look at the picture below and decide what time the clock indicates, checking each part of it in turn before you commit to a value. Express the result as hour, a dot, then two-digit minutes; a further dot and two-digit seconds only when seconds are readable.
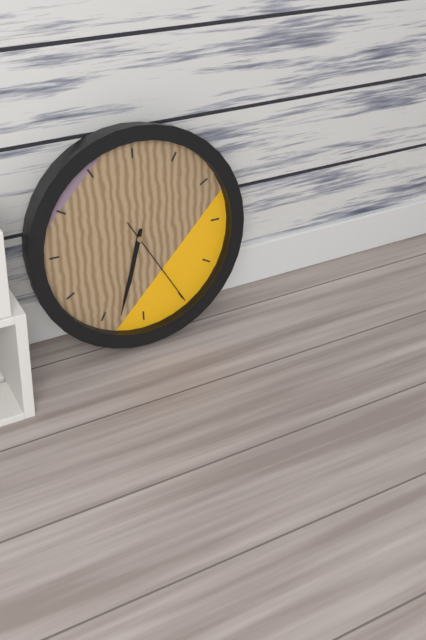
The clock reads 6.33.25
